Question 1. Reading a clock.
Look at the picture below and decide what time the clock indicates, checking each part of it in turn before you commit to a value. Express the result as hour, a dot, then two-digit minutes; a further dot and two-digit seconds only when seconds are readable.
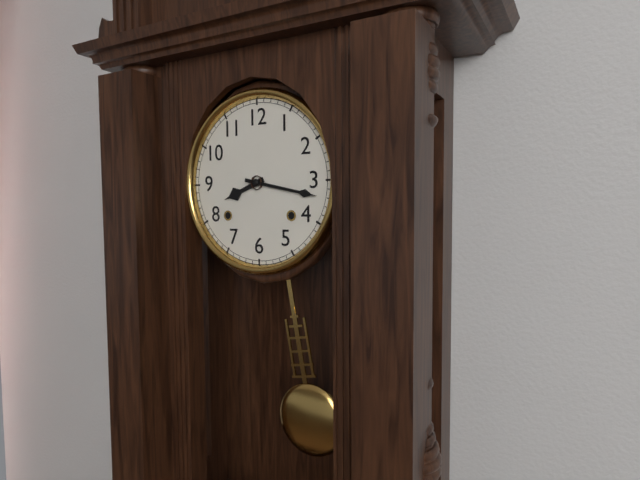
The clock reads 8.17
